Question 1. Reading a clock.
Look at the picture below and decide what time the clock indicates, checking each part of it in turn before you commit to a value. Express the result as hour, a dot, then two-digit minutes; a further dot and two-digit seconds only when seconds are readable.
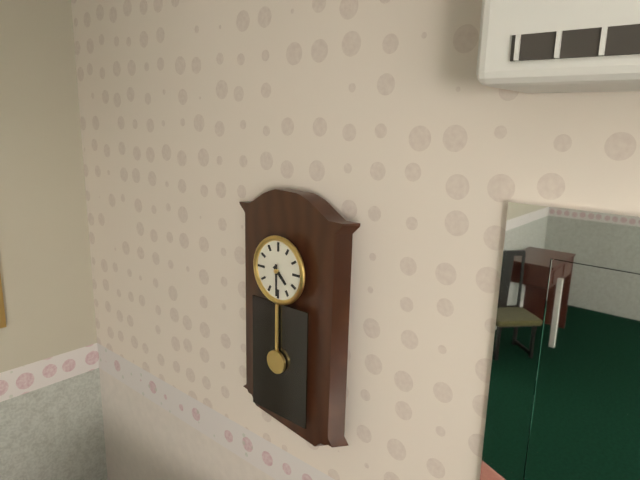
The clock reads 4.30
